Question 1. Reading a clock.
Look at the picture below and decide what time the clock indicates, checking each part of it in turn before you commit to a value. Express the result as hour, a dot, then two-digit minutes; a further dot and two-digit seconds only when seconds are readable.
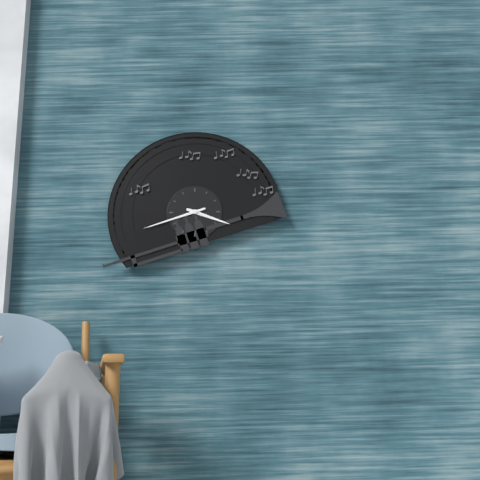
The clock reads 3.42
